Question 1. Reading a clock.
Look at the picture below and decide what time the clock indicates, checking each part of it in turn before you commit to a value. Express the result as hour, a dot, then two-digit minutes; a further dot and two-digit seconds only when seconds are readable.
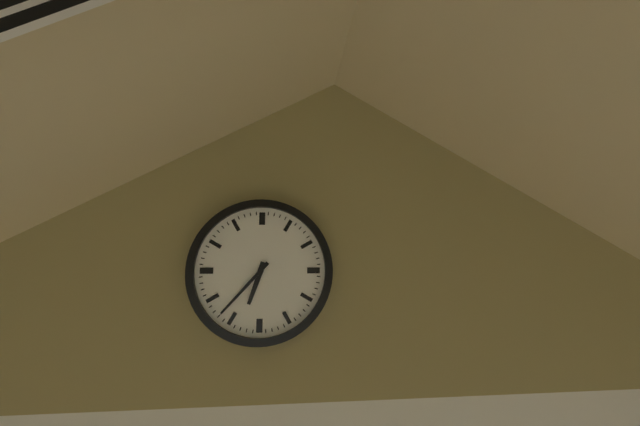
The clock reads 6.37
